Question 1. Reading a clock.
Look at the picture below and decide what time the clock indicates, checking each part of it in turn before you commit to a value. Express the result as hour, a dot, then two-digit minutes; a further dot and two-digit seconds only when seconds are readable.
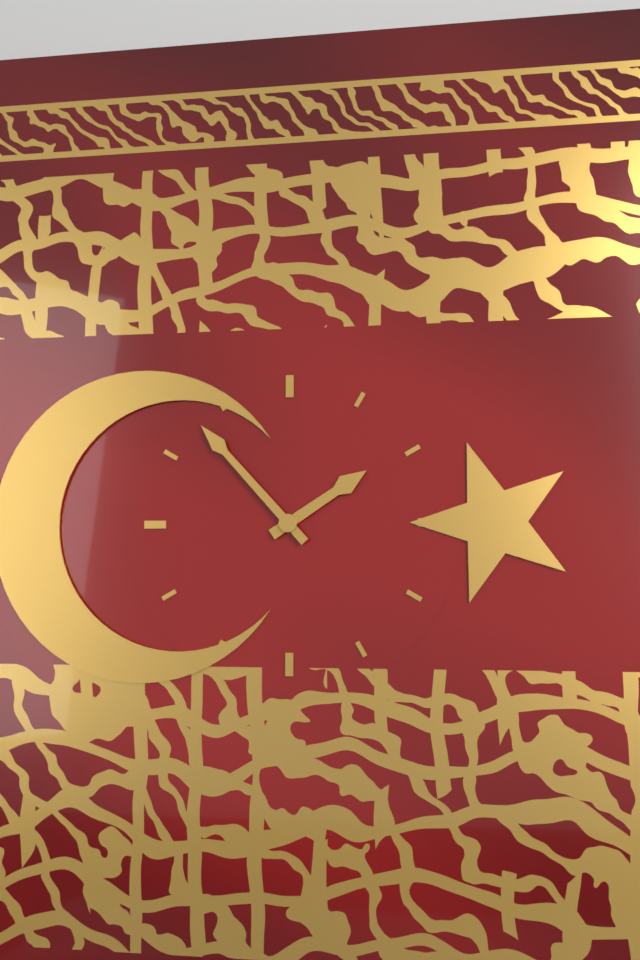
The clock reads 1.53
